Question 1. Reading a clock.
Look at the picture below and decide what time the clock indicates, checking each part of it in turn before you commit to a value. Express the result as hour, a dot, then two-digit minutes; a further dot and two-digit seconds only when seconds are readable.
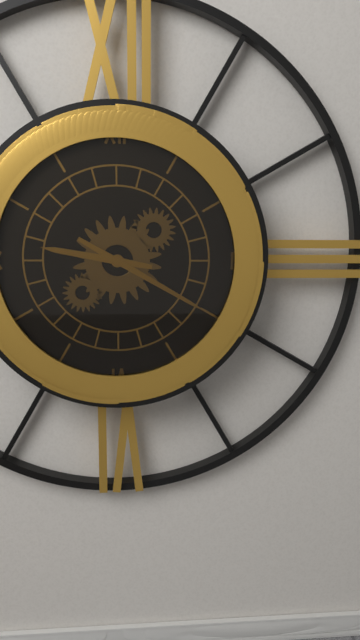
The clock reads 9.20
